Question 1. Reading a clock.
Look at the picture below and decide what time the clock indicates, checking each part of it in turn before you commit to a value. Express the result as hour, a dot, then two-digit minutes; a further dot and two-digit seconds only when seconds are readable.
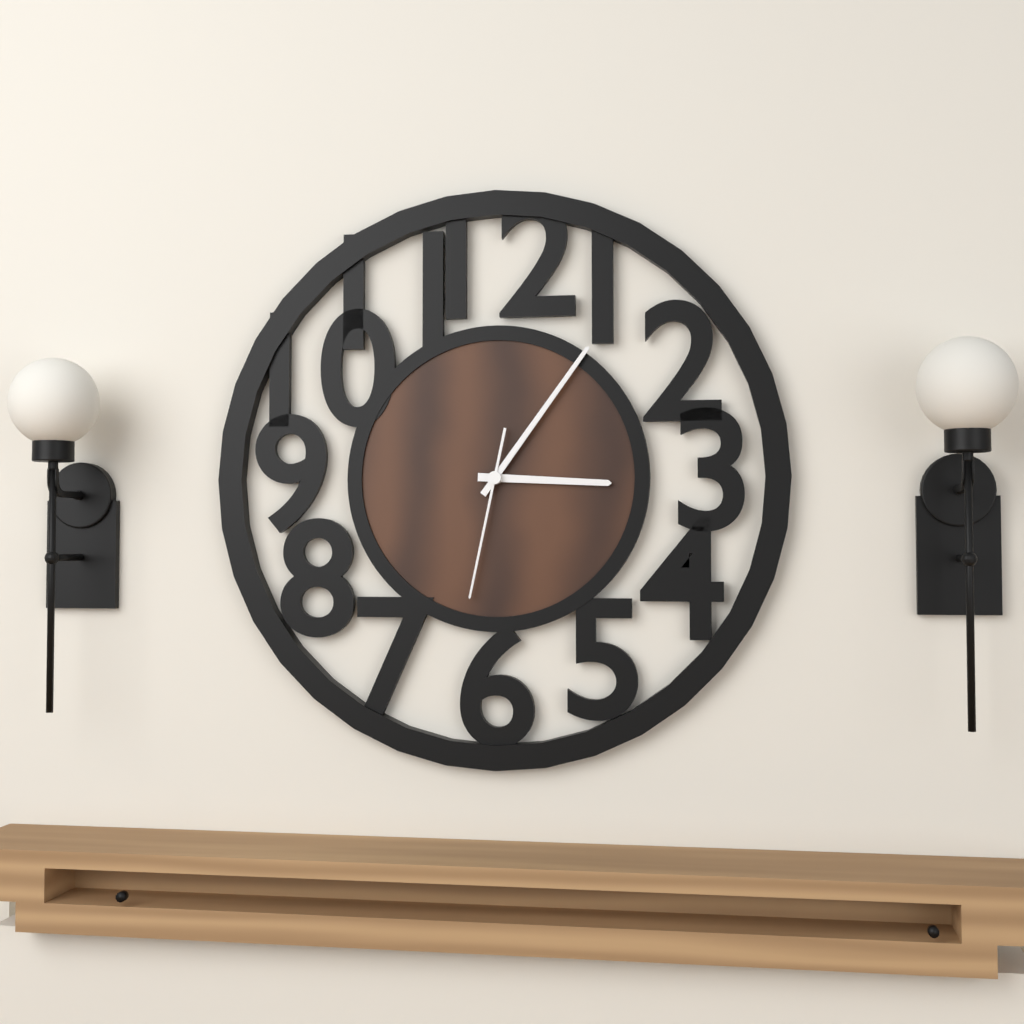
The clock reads 3.06.32
